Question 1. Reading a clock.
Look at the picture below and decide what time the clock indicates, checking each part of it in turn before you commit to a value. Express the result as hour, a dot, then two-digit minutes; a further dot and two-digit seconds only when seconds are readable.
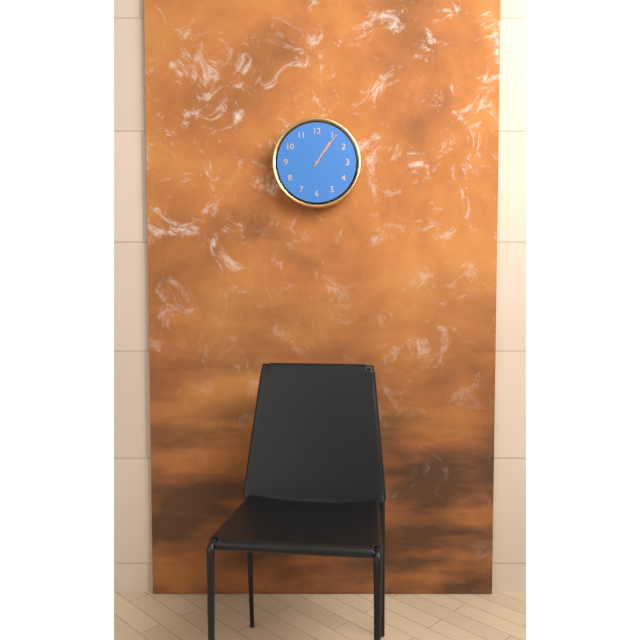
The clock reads 1.06
